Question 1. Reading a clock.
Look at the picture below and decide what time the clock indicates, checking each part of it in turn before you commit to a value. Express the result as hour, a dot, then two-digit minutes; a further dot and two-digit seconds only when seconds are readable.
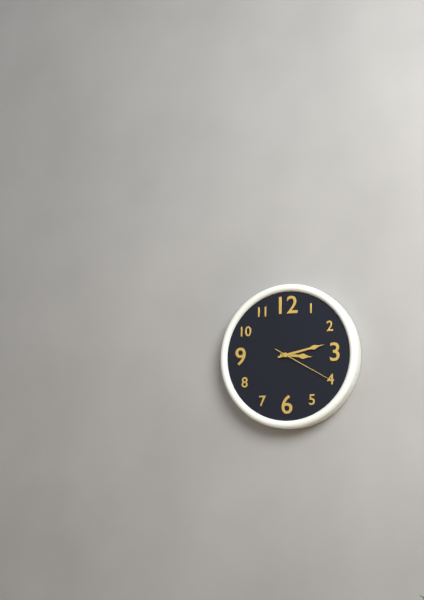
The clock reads 3.13.20
